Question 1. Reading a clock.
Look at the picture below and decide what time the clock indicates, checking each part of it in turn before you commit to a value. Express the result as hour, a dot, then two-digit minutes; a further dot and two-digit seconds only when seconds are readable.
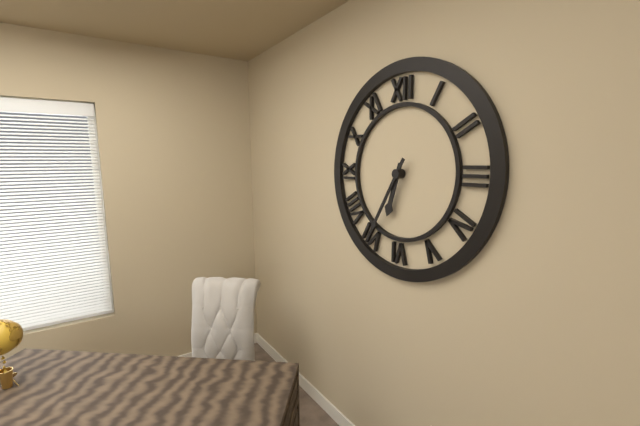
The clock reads 6.35
